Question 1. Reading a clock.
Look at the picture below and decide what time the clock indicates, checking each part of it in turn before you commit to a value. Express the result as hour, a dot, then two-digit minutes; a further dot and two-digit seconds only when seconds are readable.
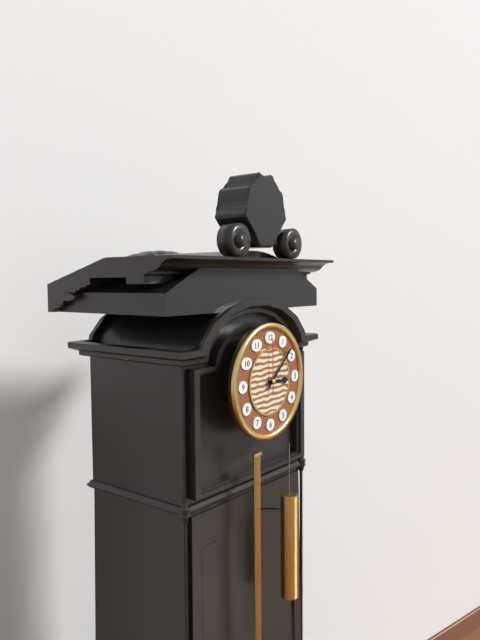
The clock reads 3.08.00
